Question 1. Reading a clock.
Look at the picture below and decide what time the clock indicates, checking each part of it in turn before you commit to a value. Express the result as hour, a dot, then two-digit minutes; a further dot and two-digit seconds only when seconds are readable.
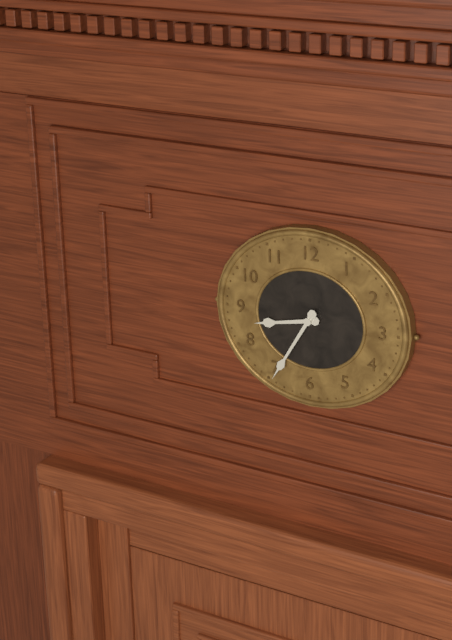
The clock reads 8.35
